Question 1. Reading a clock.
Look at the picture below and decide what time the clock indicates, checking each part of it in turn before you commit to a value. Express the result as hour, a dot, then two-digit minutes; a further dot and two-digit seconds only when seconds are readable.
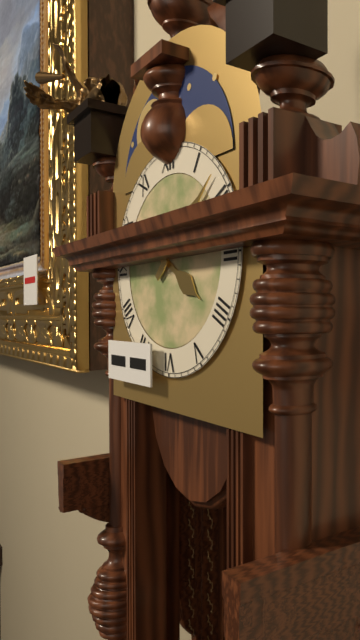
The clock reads 4.08
